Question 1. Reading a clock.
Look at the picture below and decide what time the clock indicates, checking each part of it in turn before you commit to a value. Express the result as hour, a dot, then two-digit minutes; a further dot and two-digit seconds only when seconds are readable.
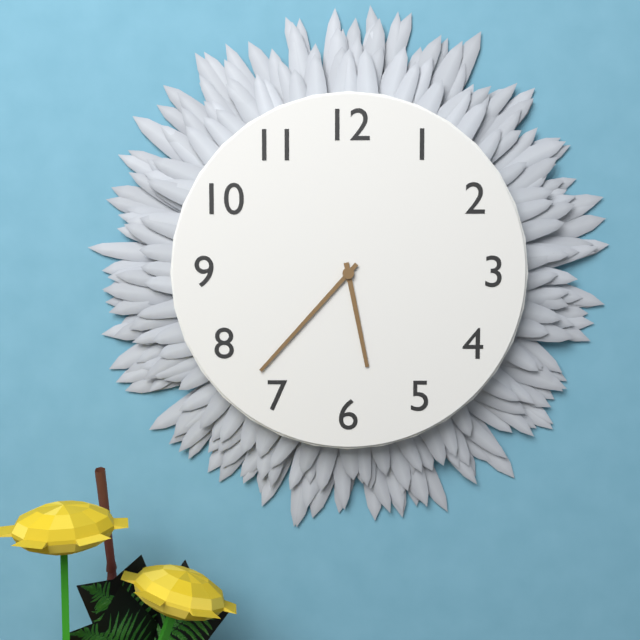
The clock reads 5.37
